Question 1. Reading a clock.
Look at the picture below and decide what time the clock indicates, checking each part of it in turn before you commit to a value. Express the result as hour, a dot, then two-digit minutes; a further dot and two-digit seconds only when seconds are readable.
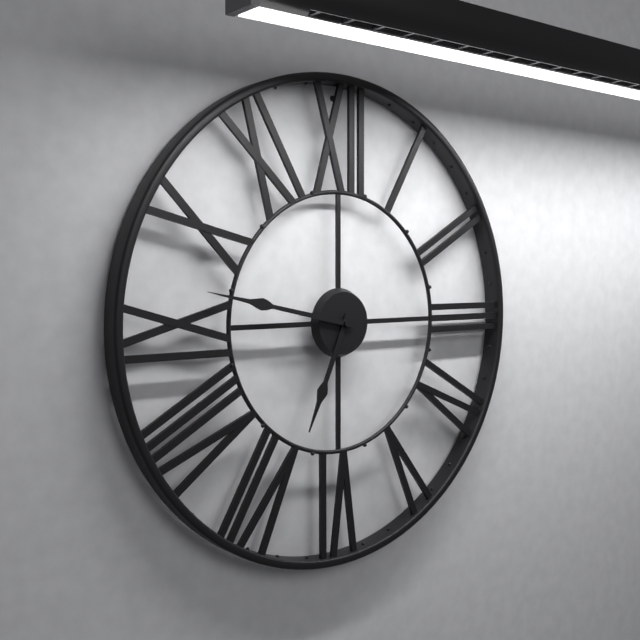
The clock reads 6.47
